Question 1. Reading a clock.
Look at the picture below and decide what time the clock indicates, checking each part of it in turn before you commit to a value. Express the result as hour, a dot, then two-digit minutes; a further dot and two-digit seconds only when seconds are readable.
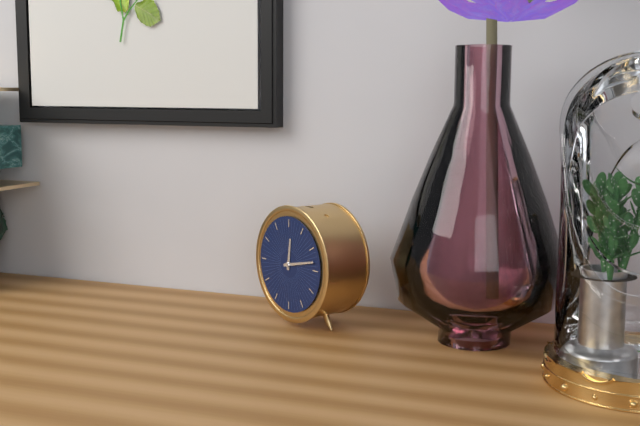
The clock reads 12.13
